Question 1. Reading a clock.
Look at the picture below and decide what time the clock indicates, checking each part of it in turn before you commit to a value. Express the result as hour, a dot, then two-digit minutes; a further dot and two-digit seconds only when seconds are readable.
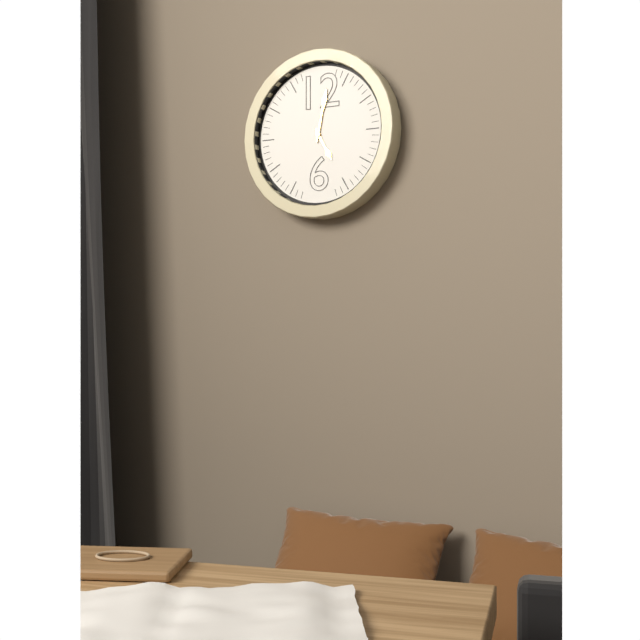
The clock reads 5.02
